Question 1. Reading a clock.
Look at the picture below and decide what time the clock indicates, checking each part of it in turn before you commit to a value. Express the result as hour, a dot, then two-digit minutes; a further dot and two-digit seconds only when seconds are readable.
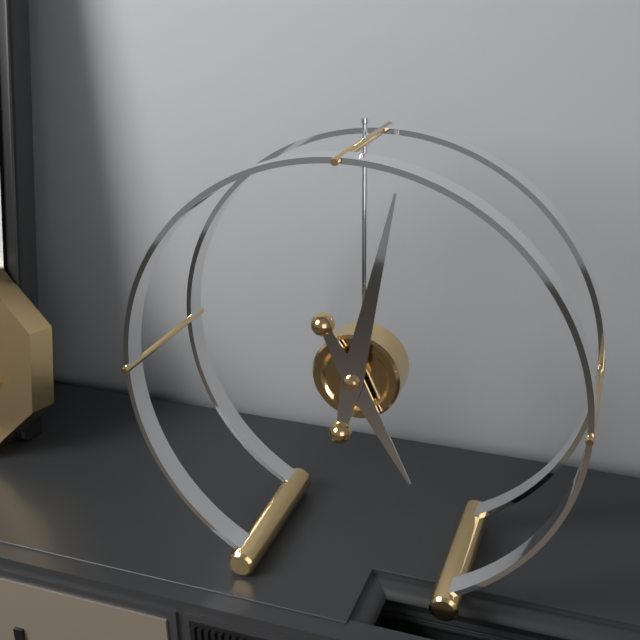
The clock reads 5.02
